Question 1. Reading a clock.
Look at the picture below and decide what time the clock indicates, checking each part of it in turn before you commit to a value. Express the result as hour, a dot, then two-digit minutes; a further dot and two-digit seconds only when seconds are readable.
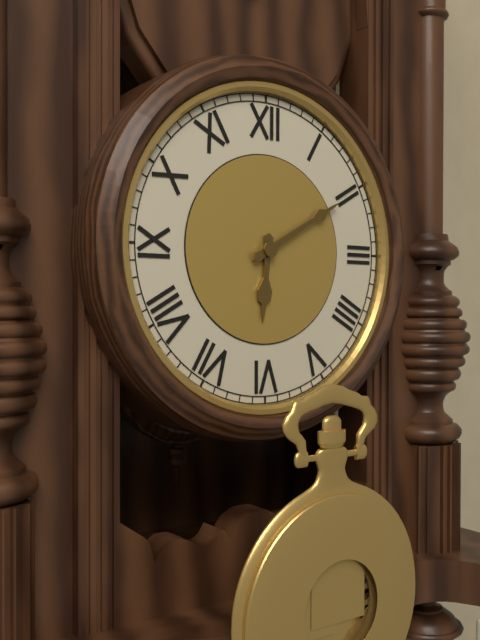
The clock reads 6.10
